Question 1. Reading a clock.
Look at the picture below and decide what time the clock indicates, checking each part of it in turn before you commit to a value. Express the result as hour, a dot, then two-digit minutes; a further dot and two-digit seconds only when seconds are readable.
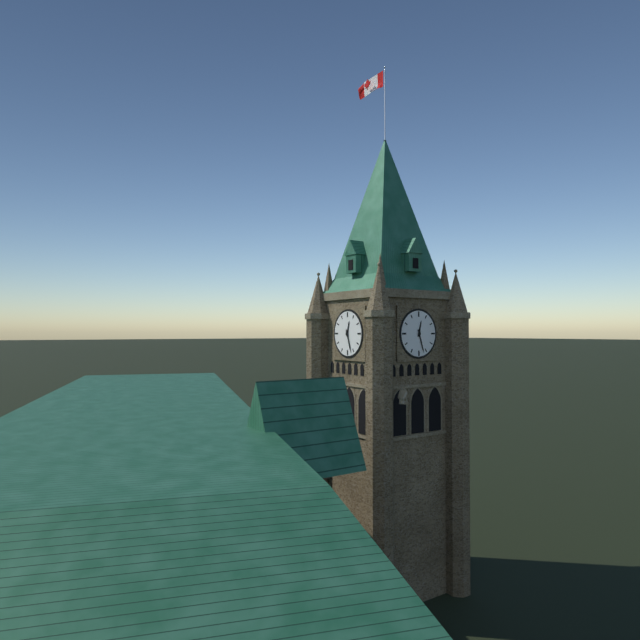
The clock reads 12.27
